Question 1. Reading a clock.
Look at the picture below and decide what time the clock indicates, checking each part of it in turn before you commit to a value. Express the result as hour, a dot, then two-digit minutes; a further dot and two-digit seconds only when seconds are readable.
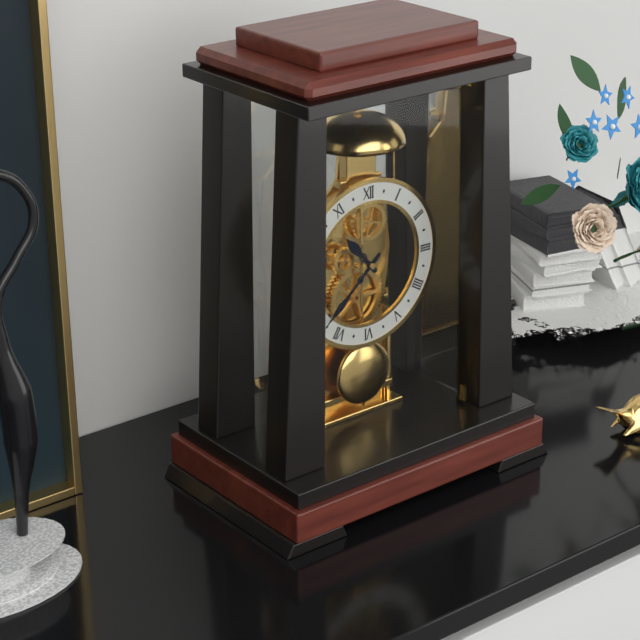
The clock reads 10.38
